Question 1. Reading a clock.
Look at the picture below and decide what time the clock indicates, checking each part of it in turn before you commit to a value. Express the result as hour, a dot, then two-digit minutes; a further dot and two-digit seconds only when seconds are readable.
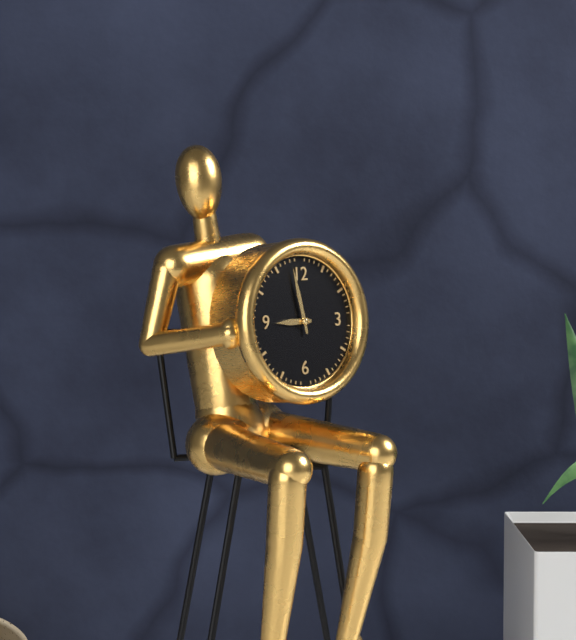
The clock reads 8.58
